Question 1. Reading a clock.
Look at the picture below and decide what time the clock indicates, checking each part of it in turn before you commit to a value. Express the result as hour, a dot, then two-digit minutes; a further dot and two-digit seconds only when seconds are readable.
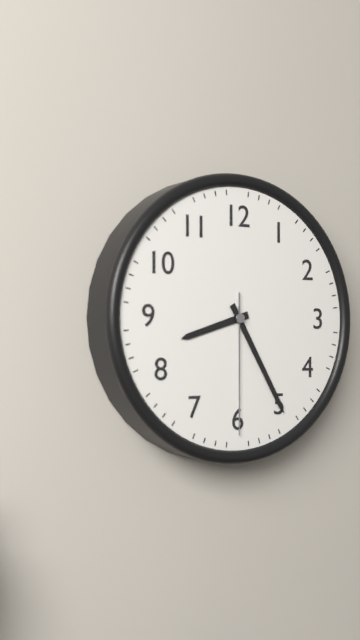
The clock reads 8.25.30
